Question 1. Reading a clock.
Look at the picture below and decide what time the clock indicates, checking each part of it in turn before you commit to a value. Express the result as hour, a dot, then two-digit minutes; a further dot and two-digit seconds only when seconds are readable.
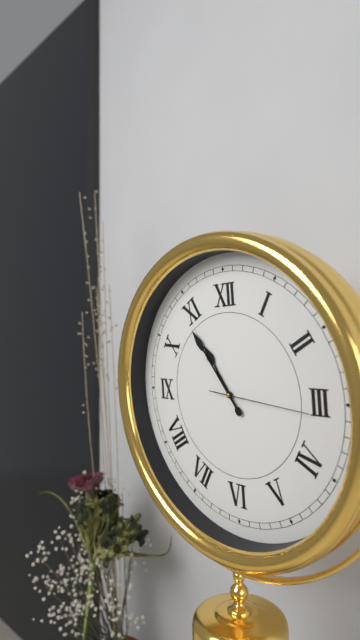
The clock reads 10.54.16
